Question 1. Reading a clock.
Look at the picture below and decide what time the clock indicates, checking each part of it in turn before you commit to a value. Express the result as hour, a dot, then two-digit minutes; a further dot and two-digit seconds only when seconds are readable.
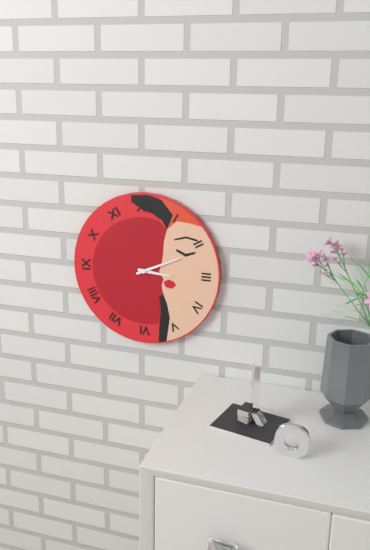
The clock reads 3.11
